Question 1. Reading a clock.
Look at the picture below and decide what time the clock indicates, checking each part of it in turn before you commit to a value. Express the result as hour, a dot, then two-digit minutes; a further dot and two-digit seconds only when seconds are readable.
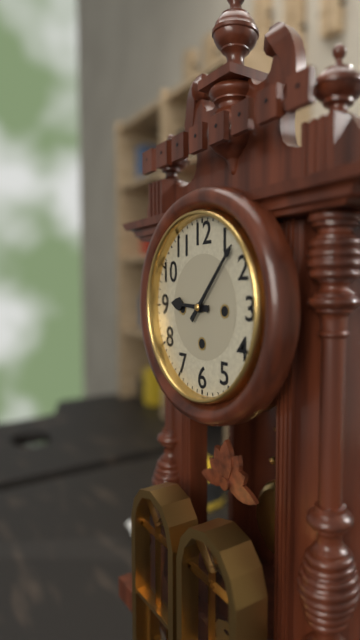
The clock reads 9.07
